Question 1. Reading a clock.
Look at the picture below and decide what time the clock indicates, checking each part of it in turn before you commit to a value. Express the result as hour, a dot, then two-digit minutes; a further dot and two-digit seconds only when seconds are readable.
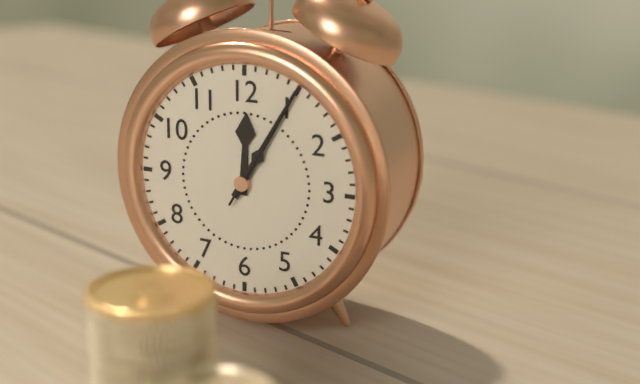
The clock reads 12.05.05
